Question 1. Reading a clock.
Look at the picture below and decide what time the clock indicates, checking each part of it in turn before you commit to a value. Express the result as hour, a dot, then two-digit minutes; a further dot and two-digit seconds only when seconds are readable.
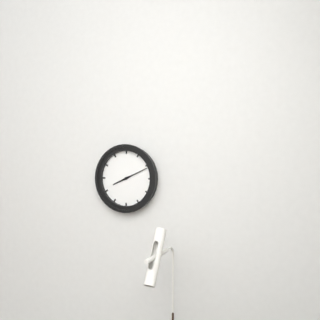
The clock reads 8.11
